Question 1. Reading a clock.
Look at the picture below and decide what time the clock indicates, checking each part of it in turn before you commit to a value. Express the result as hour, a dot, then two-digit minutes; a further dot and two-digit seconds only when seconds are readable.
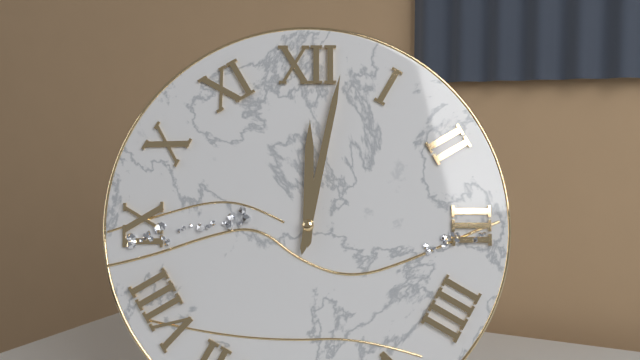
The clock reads 12.02
